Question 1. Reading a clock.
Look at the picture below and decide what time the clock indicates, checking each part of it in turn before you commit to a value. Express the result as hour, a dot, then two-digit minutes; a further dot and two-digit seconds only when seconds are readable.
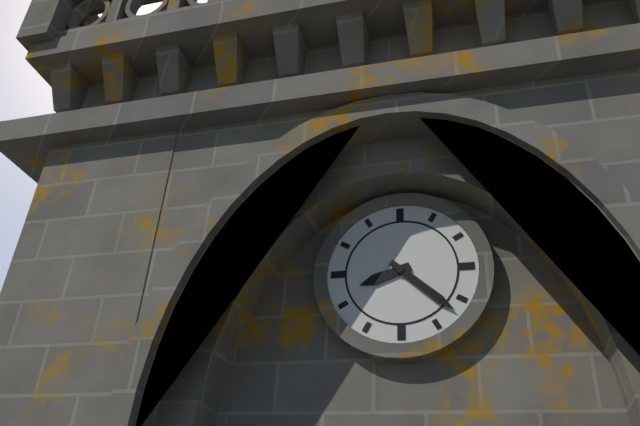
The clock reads 8.22
